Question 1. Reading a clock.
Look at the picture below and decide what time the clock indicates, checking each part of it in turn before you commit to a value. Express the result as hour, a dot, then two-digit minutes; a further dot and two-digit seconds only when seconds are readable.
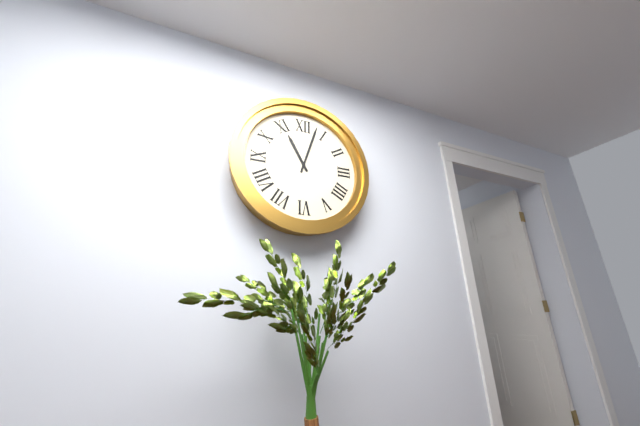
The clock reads 11.03
